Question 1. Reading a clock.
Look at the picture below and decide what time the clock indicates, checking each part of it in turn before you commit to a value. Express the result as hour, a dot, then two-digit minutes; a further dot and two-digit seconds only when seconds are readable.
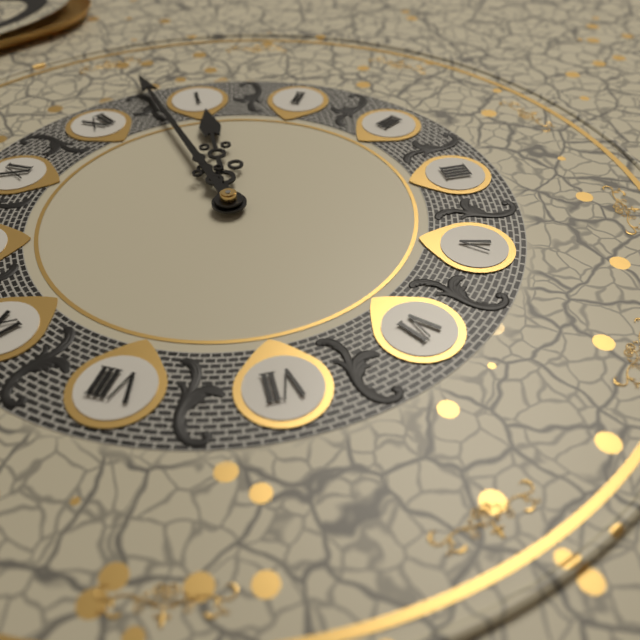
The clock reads 1.03
